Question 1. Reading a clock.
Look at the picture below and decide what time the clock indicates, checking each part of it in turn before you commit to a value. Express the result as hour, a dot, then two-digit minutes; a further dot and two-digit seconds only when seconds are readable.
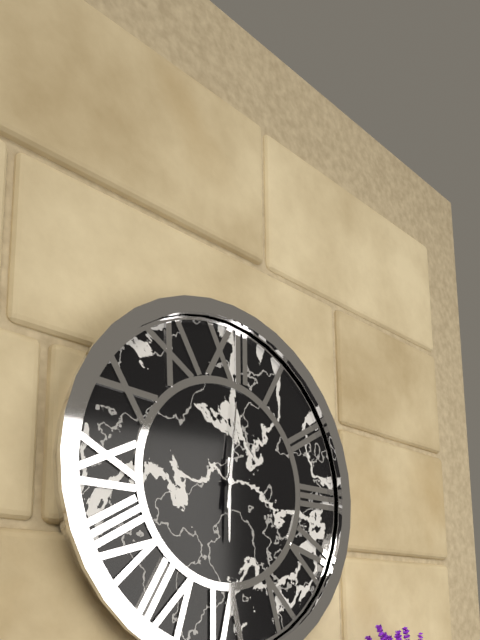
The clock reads 6.01
